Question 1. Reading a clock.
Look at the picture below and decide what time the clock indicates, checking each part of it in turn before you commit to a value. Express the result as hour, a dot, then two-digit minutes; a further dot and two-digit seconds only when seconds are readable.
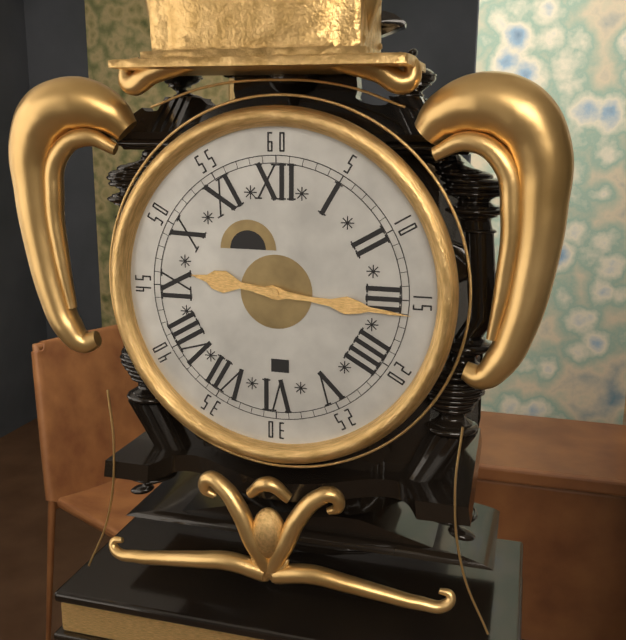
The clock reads 9.16
